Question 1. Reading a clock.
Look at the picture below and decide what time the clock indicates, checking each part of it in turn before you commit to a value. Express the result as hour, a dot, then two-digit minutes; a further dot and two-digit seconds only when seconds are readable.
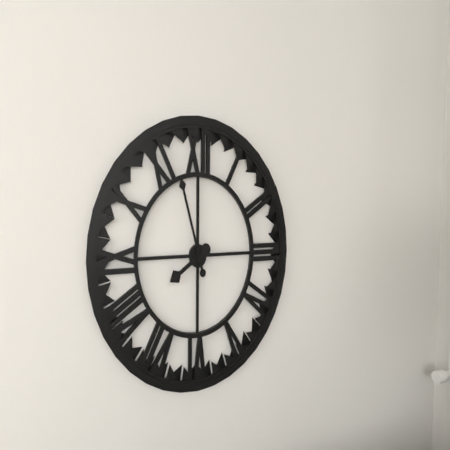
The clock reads 7.57
